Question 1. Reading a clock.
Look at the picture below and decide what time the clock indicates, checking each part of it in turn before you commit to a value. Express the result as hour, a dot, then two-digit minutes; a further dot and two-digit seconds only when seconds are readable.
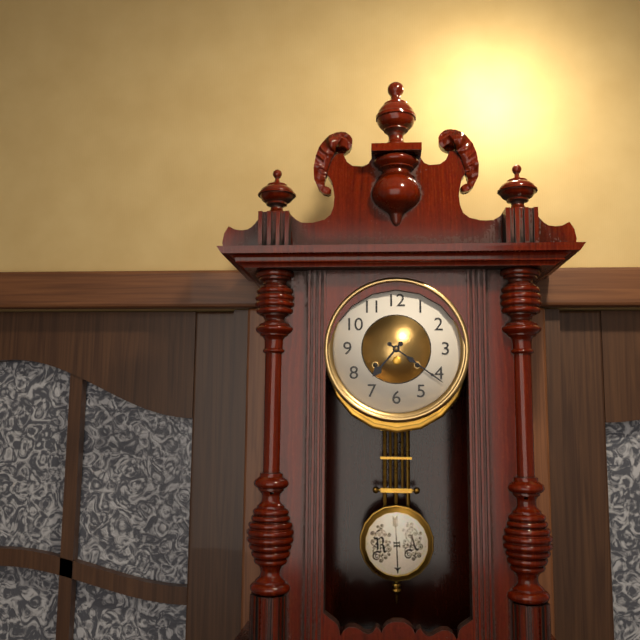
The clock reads 7.21
